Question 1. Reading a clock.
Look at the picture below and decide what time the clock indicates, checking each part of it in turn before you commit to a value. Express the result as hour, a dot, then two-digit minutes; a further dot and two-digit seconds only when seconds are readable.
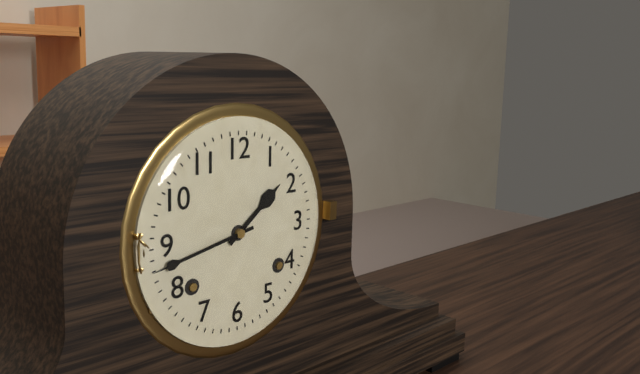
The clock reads 1.43
